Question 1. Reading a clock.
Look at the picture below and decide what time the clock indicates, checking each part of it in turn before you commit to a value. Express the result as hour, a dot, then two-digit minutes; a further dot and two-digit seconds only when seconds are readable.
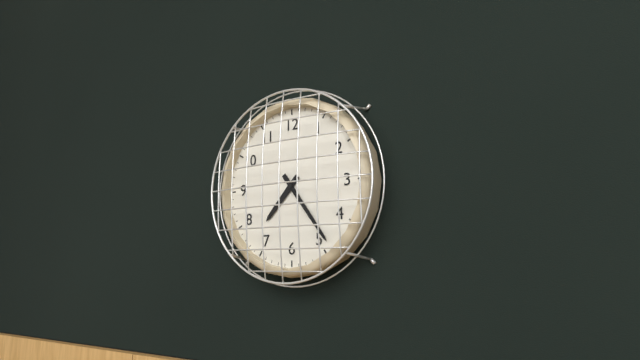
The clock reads 7.24
